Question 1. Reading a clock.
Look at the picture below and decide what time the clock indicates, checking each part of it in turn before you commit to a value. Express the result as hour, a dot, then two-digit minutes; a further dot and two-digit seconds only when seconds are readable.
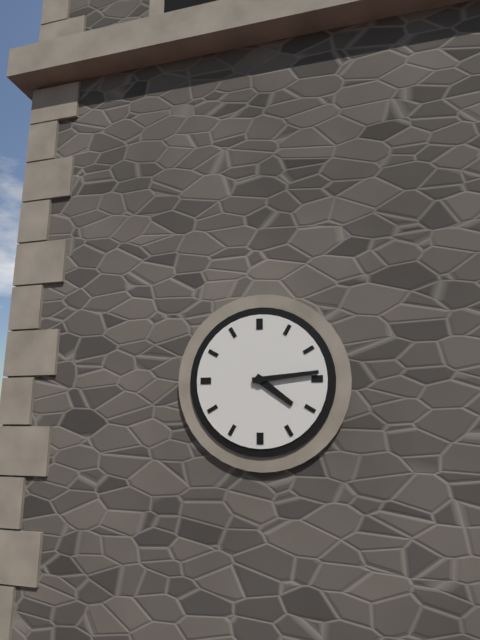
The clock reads 4.14
